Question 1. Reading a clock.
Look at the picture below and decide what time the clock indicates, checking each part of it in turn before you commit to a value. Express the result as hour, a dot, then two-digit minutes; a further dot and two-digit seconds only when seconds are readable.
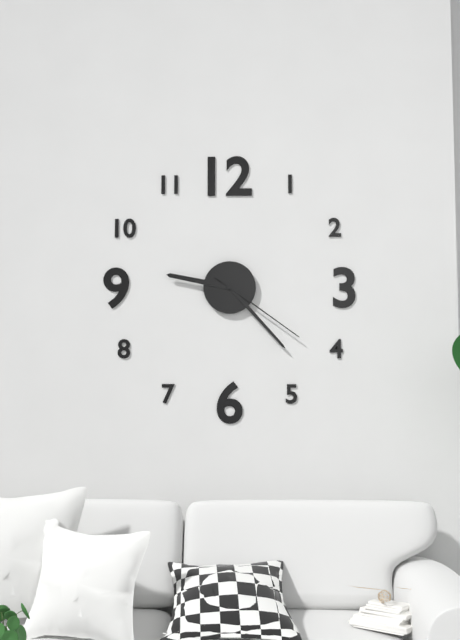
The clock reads 9.23.21
